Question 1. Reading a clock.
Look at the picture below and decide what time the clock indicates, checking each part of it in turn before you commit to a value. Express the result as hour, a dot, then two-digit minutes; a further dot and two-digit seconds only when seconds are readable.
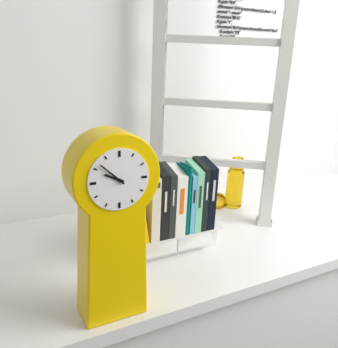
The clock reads 9.52
